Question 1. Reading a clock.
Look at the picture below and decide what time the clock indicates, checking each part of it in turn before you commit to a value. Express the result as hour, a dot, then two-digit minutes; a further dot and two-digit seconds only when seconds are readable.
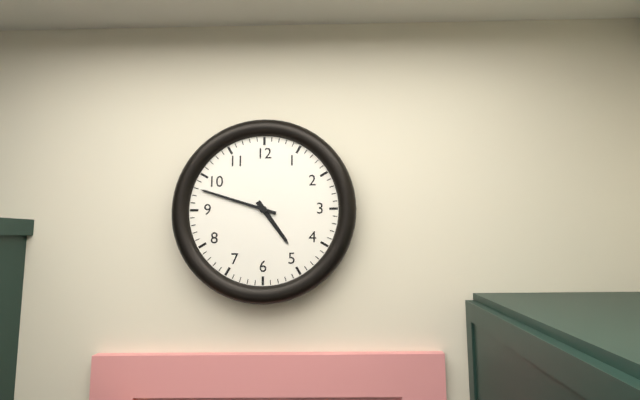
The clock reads 4.48
